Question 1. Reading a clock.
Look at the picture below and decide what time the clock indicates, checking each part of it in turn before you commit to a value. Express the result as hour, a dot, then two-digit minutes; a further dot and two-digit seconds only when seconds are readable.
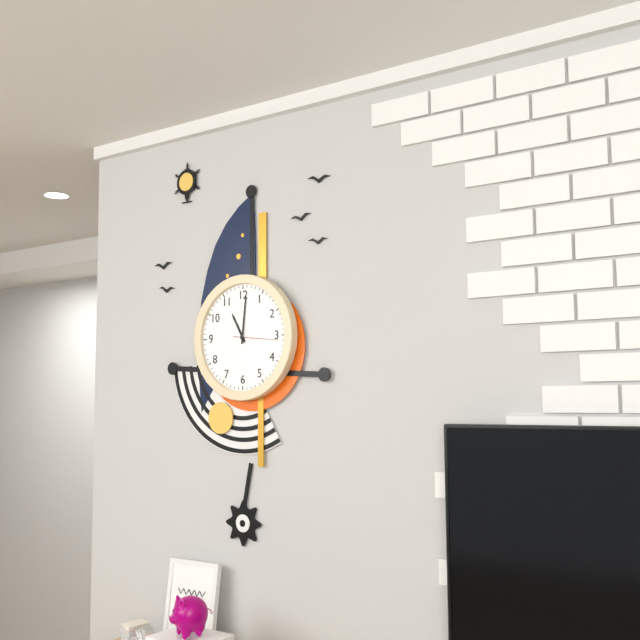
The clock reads 11.01
